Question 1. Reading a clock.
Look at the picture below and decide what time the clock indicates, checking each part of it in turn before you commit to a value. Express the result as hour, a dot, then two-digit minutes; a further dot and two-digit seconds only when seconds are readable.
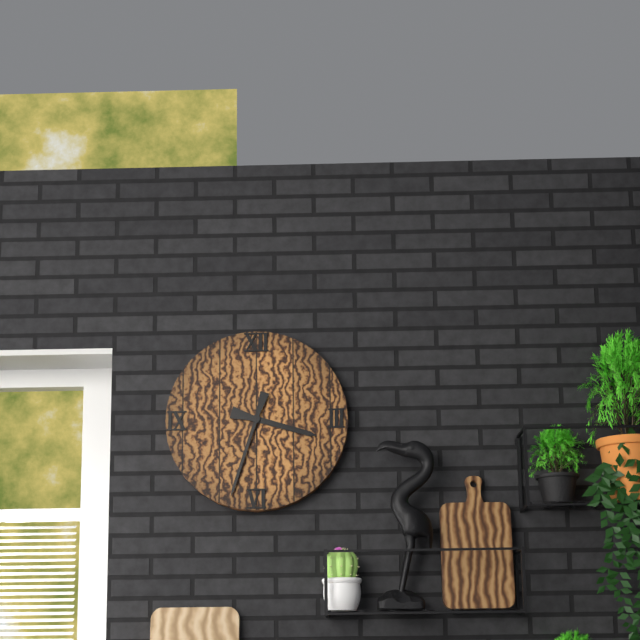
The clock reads 3.33
